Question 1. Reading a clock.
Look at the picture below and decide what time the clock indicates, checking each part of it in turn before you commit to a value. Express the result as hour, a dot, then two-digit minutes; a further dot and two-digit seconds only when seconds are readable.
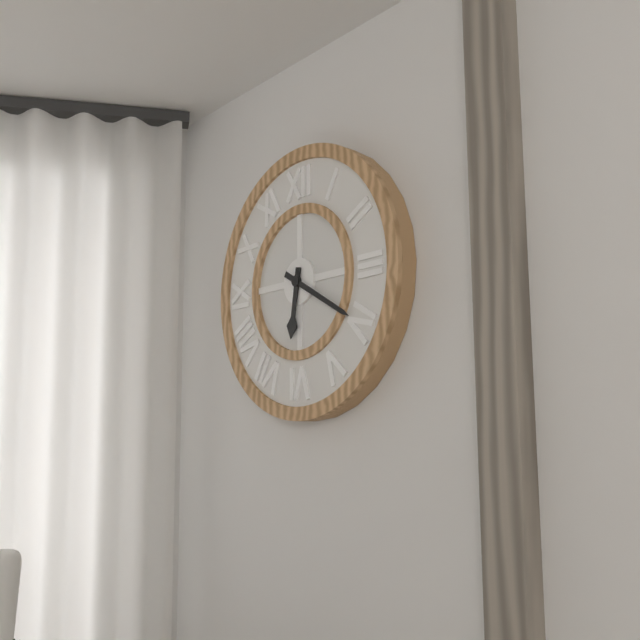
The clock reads 6.20
